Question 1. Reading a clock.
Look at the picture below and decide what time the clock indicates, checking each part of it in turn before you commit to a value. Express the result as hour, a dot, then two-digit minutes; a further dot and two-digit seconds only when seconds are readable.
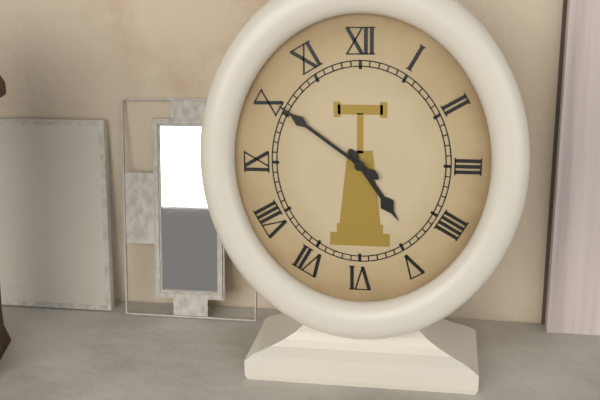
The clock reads 4.51
